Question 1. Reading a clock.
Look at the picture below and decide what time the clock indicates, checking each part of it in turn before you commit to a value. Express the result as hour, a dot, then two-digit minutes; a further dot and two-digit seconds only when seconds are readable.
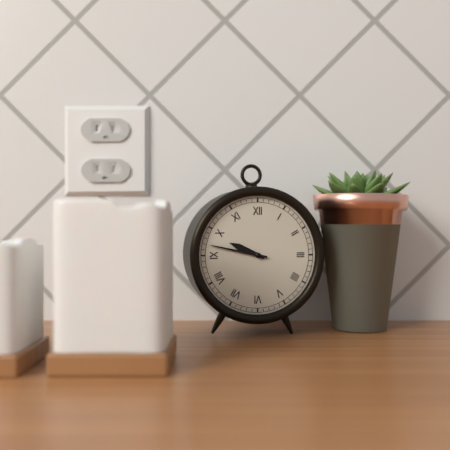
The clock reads 9.47
